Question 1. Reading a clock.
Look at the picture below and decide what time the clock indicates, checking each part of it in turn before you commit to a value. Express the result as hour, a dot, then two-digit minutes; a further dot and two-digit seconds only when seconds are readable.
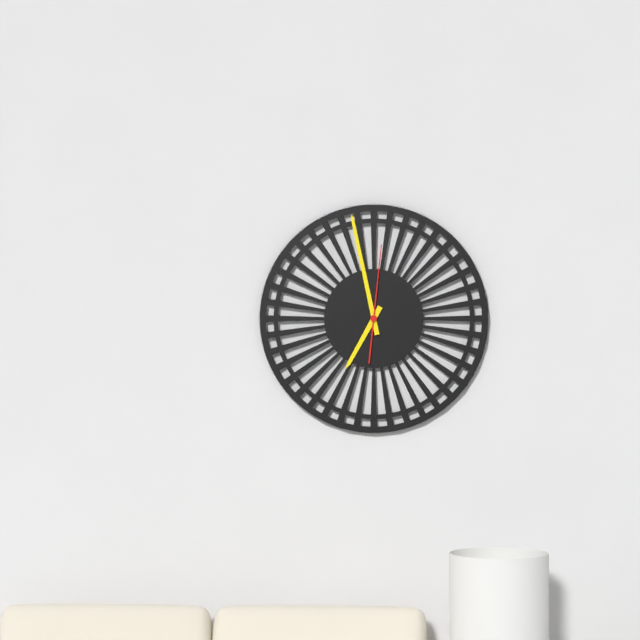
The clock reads 6.58.01
